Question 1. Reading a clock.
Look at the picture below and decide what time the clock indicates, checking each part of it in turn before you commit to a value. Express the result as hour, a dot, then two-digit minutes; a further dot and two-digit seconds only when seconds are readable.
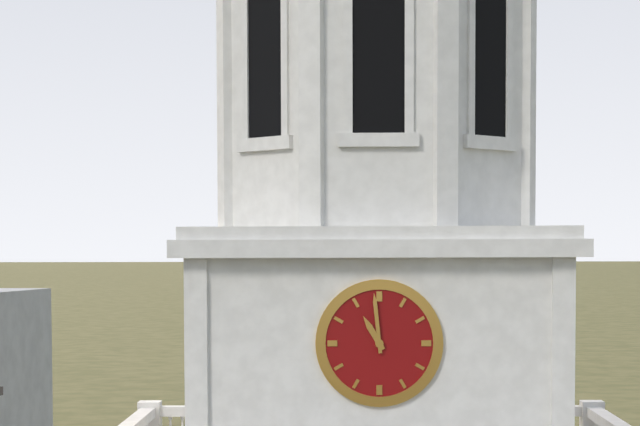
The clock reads 10.59
